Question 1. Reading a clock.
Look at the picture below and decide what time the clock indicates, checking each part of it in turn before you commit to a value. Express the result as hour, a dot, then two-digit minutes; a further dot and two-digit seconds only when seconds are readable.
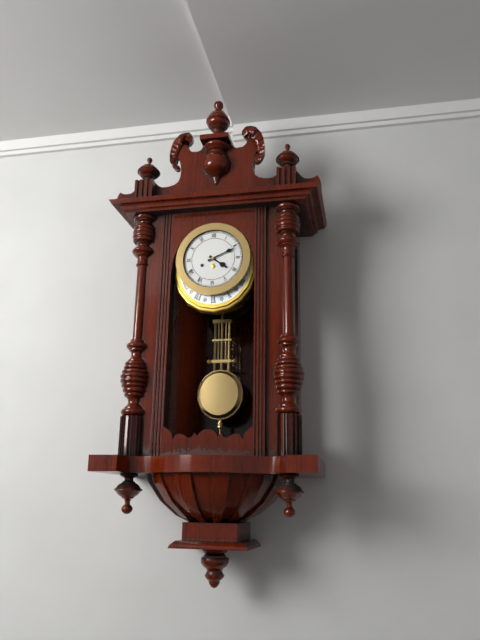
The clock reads 4.11
